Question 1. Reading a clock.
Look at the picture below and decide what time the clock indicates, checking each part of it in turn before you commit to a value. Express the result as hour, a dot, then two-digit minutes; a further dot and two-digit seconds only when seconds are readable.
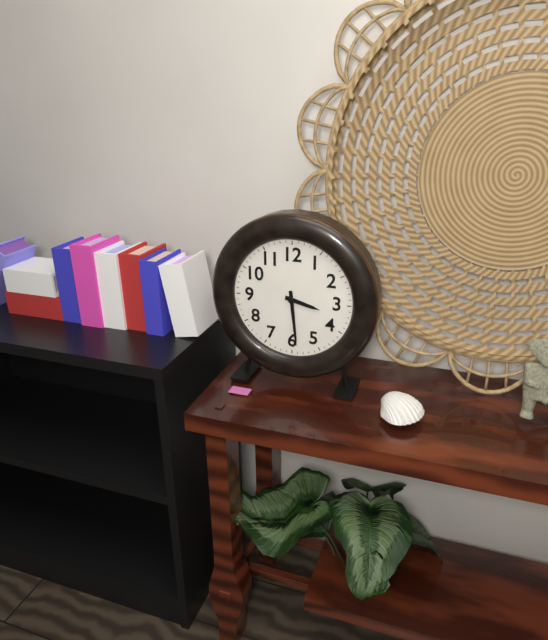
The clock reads 3.29
